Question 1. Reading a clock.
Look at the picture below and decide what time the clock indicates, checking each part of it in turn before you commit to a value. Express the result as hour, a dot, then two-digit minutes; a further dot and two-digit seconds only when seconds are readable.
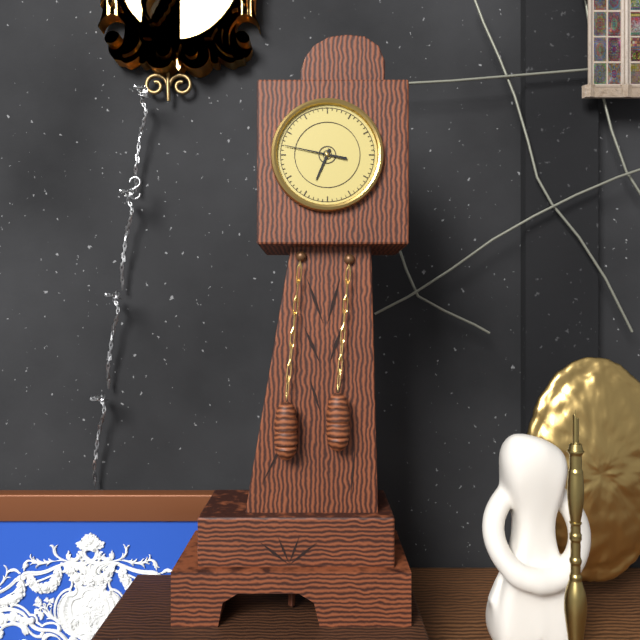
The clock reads 6.47
